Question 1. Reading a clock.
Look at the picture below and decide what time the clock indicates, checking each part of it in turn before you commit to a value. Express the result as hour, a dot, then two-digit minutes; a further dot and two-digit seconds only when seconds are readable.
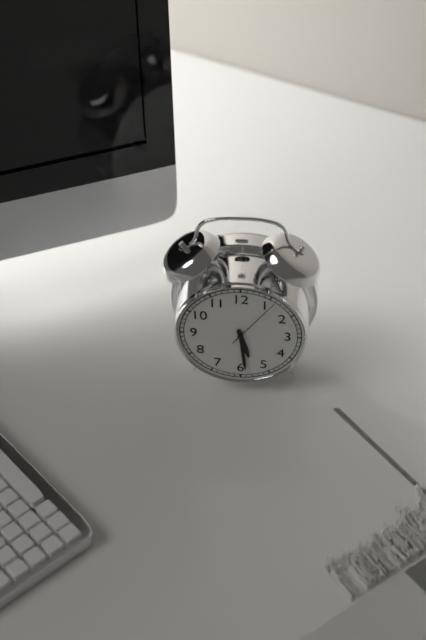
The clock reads 5.29.06
